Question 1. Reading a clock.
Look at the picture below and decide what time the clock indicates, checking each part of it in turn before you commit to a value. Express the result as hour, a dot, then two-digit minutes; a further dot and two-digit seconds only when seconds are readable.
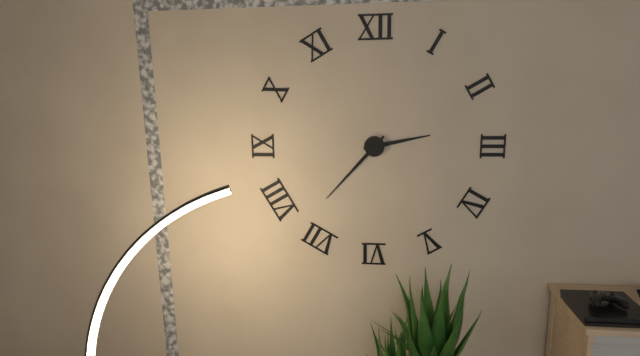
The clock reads 2.37
